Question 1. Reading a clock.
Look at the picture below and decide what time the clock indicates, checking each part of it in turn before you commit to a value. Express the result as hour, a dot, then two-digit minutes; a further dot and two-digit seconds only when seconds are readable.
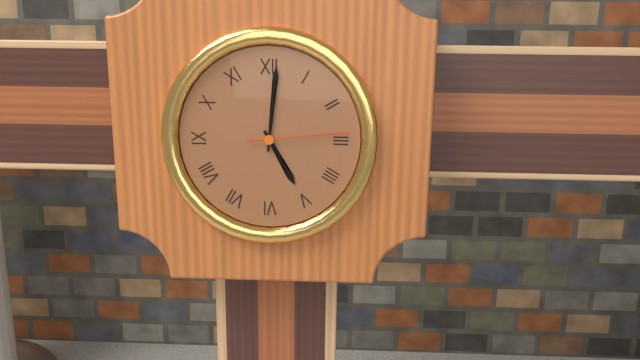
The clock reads 5.01.14
